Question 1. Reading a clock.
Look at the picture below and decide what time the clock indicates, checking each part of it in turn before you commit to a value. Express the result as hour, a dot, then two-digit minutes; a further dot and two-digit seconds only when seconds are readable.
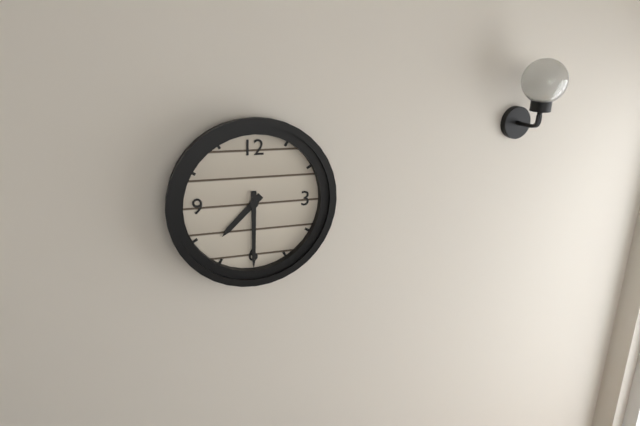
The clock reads 7.30
